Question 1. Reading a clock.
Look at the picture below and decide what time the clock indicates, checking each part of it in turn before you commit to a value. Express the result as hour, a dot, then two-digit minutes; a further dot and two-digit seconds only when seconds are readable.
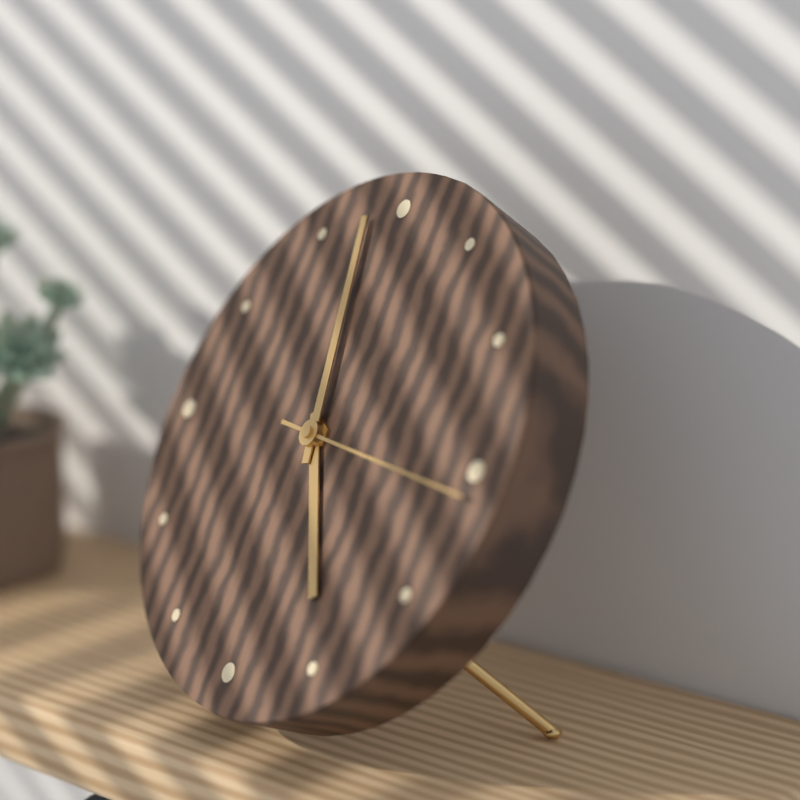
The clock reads 4.58.16
